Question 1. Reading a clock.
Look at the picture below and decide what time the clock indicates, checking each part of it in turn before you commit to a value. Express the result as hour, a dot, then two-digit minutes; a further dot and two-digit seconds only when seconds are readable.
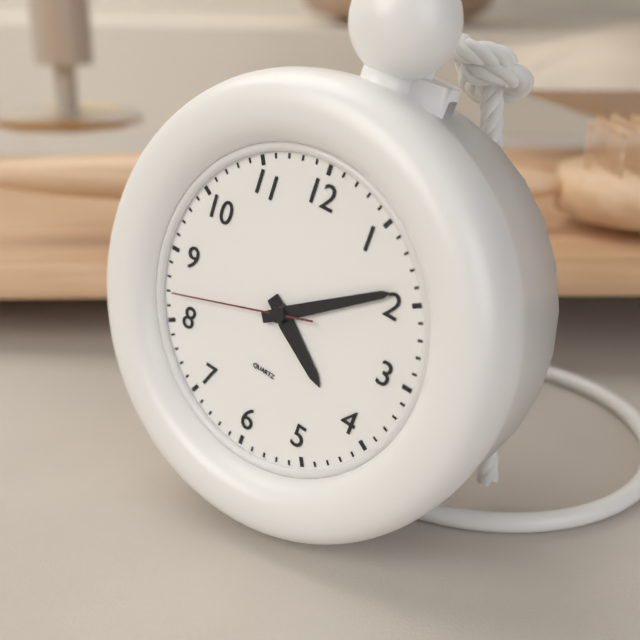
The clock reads 4.09.42
